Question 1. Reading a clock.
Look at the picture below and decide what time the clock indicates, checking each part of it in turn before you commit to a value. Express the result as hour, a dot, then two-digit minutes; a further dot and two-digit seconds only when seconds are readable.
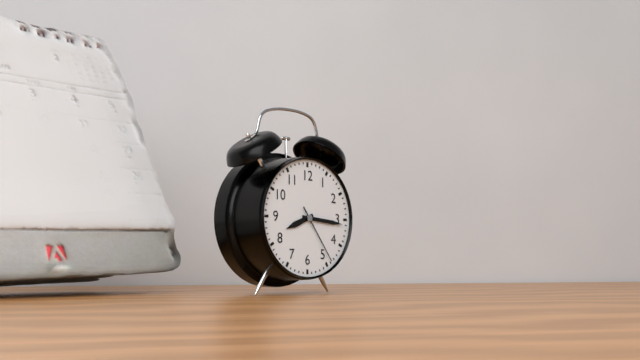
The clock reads 8.16.24
